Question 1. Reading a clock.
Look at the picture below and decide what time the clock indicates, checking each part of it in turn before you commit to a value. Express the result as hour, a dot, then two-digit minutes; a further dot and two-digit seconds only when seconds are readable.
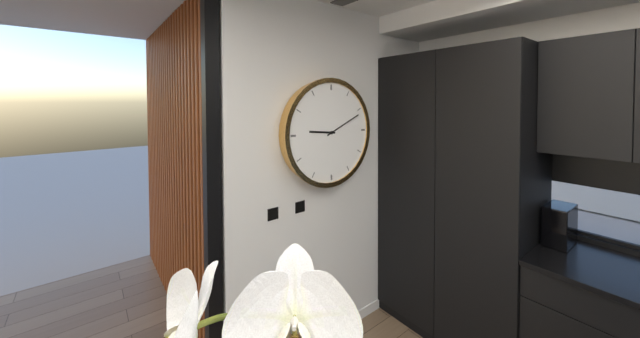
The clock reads 9.11
